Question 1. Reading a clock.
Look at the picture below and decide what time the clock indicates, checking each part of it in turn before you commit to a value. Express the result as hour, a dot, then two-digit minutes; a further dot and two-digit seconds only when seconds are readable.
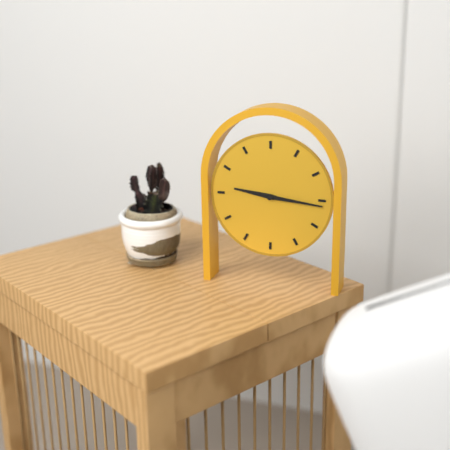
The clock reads 9.16
